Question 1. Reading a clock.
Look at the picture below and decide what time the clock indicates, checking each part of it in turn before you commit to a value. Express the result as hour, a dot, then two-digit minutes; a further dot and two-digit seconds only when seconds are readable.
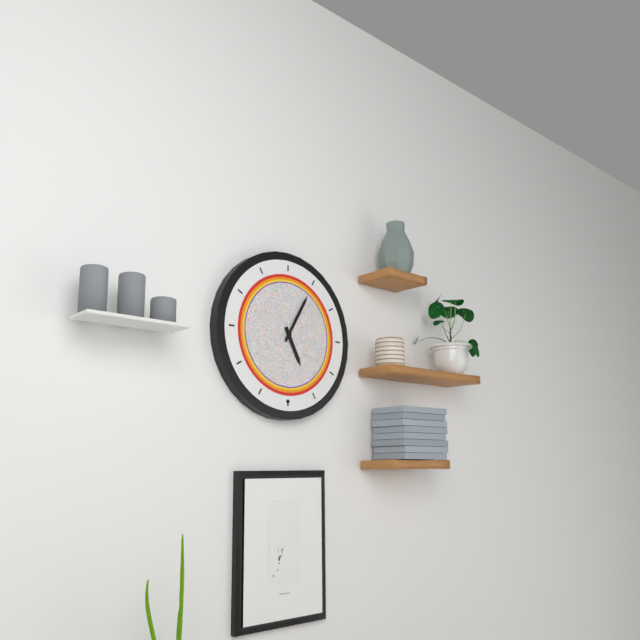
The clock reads 5.05
